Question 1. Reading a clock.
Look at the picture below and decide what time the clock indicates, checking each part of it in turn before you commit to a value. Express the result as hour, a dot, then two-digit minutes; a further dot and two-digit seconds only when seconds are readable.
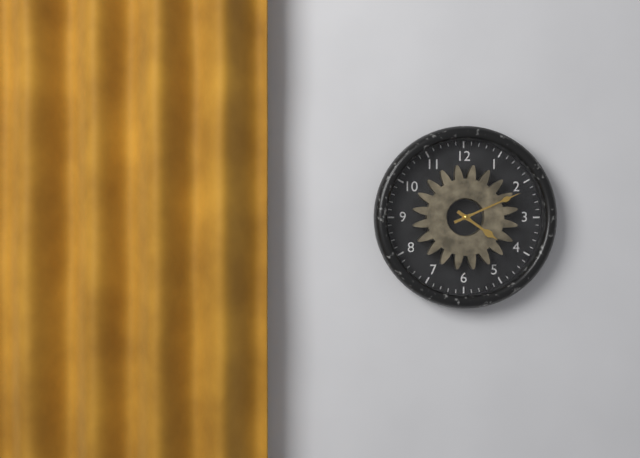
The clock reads 4.11
